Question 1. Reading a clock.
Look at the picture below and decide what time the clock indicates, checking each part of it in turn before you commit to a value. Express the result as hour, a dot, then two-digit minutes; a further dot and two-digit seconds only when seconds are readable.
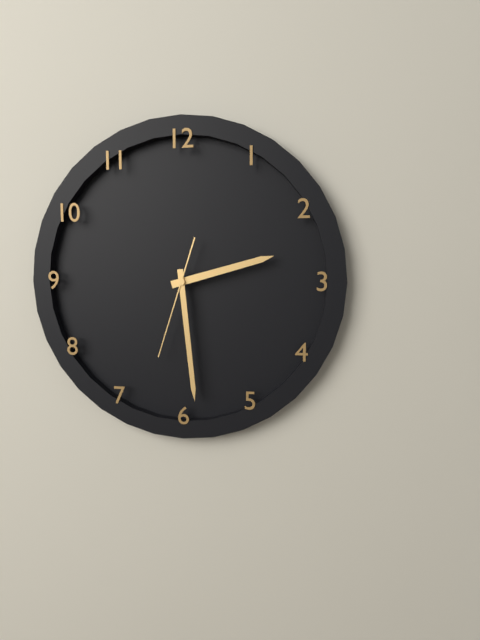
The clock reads 2.29.33
